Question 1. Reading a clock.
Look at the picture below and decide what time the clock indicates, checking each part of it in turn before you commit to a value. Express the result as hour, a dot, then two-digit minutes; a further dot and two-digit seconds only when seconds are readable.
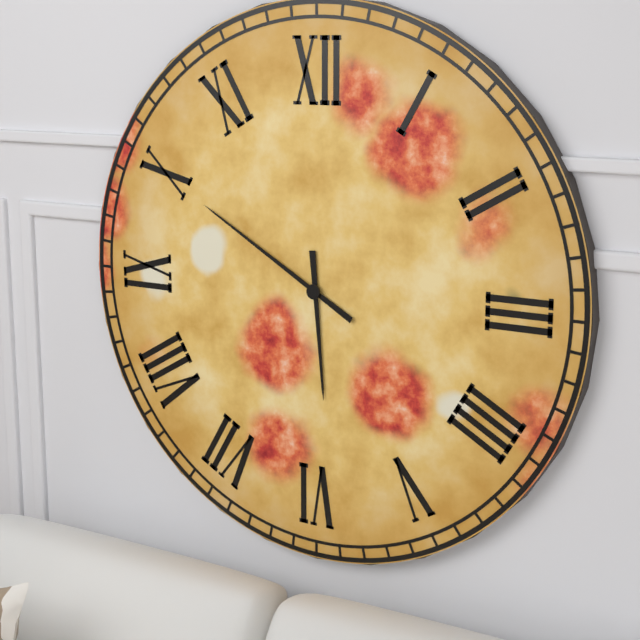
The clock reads 5.50
